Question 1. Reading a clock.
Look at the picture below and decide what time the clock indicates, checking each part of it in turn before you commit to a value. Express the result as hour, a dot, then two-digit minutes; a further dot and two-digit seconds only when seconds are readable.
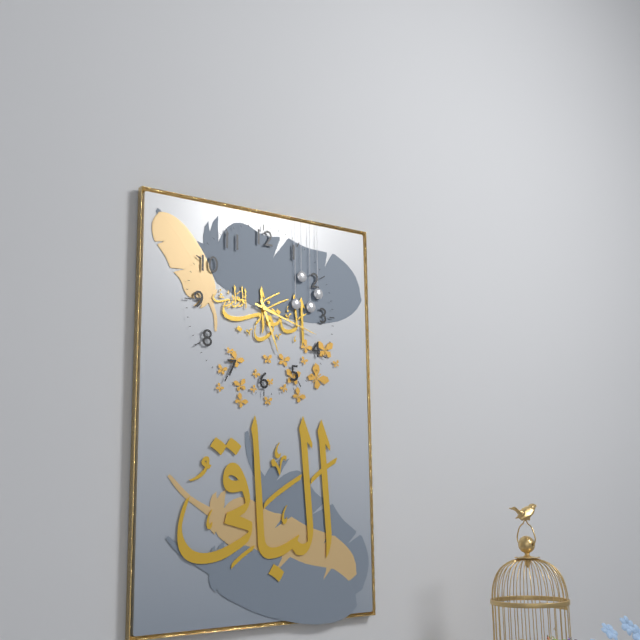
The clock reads 5.18
